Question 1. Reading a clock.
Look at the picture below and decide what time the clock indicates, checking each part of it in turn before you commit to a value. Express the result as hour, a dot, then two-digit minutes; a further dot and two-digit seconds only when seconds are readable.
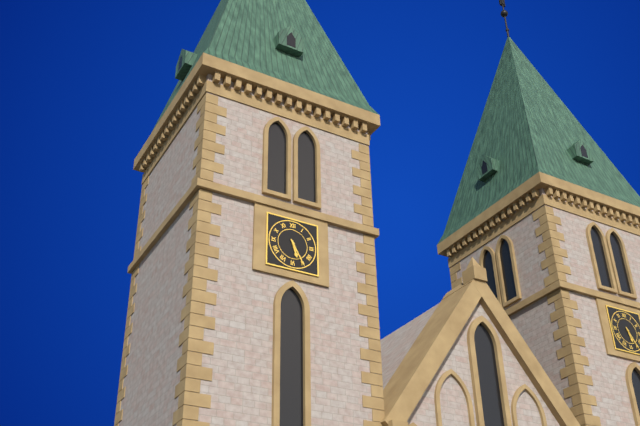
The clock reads 5.25
